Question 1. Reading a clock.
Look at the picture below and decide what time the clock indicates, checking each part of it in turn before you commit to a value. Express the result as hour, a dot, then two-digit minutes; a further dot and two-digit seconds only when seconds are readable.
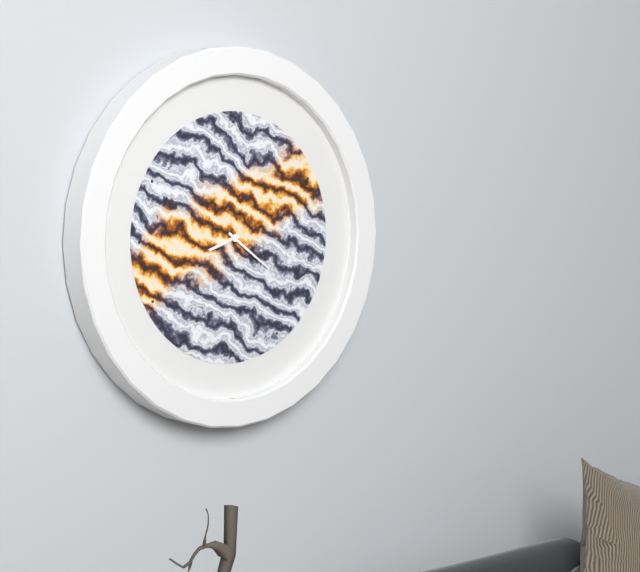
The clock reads 8.21
